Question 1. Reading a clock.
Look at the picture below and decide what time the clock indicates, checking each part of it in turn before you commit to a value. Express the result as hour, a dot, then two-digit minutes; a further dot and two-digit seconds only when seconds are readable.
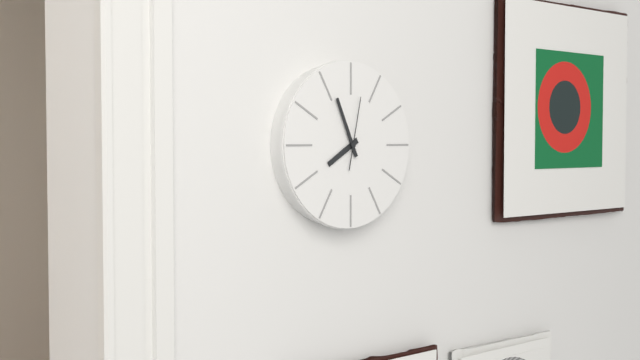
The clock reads 7.56.02
